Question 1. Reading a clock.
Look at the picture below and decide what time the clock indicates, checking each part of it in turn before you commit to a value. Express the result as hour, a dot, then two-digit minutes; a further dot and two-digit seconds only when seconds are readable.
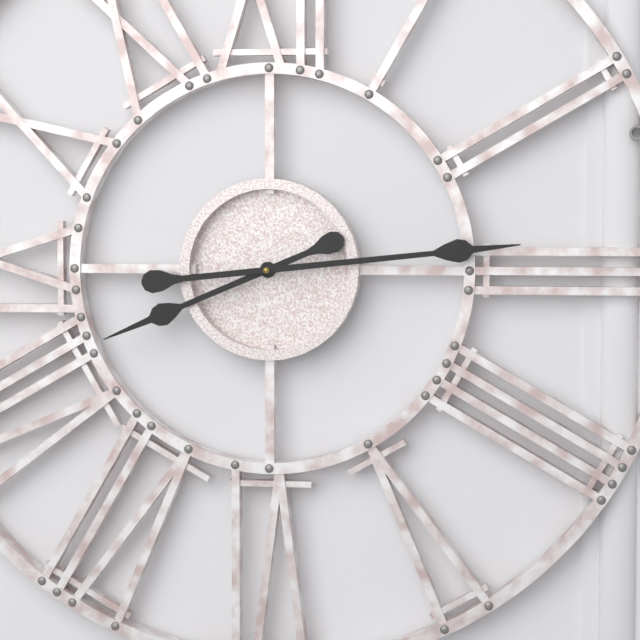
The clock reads 8.14
